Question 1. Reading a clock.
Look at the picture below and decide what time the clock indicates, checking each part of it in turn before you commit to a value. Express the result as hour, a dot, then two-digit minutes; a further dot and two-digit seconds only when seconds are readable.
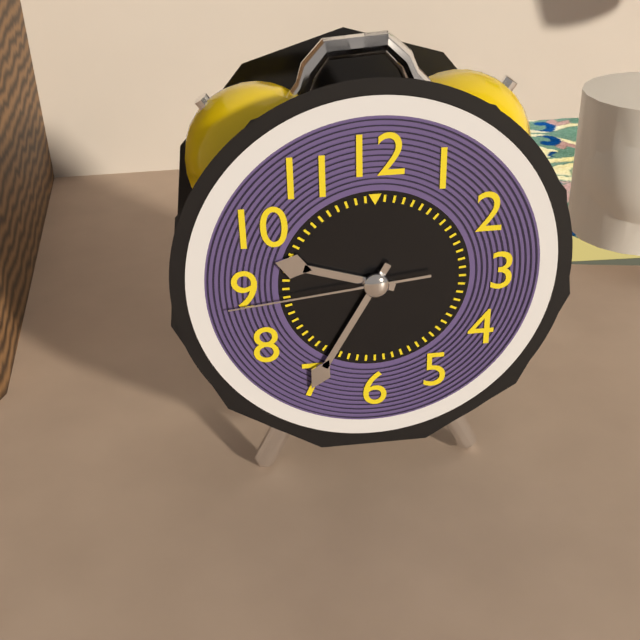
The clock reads 9.35.44
